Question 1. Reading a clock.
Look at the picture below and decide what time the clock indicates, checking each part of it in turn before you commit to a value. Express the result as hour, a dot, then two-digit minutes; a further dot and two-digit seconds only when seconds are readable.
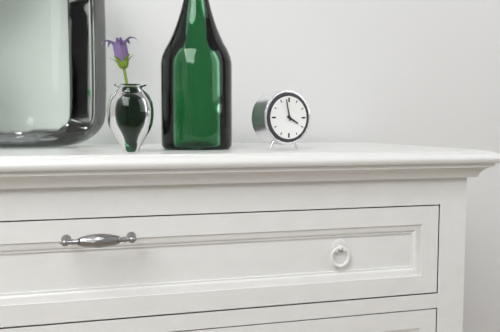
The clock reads 3.58
